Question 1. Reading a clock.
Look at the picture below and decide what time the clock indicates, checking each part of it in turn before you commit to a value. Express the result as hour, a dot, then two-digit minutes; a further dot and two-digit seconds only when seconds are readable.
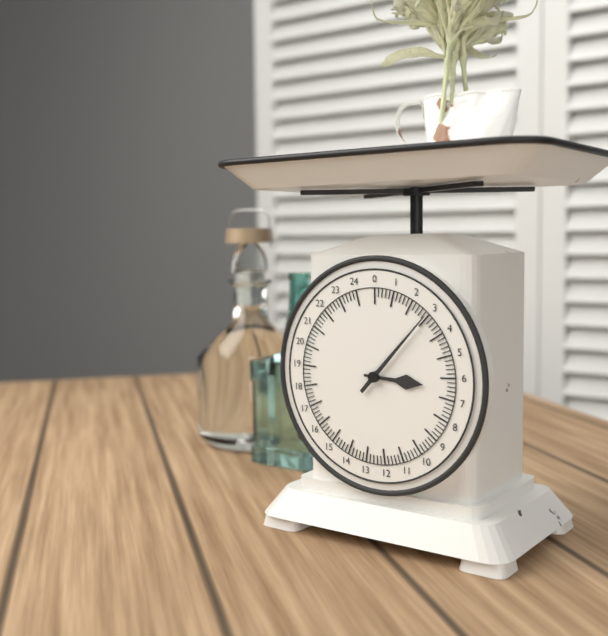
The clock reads 3.07
